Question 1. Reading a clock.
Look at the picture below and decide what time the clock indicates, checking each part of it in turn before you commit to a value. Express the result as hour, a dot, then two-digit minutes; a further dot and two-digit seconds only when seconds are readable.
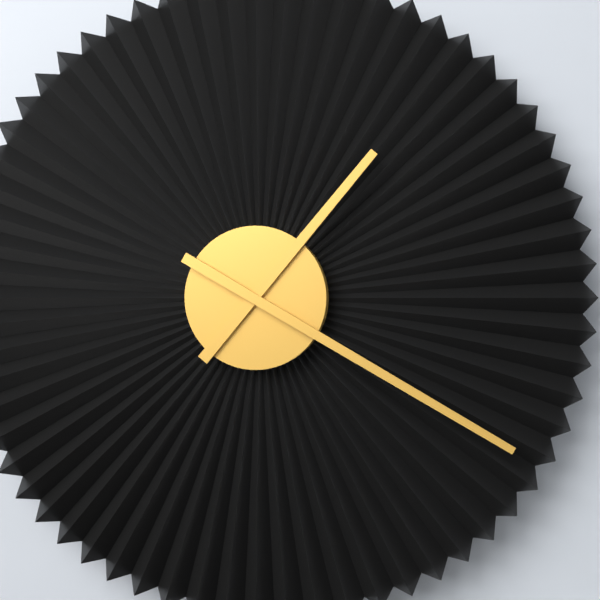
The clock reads 1.20
